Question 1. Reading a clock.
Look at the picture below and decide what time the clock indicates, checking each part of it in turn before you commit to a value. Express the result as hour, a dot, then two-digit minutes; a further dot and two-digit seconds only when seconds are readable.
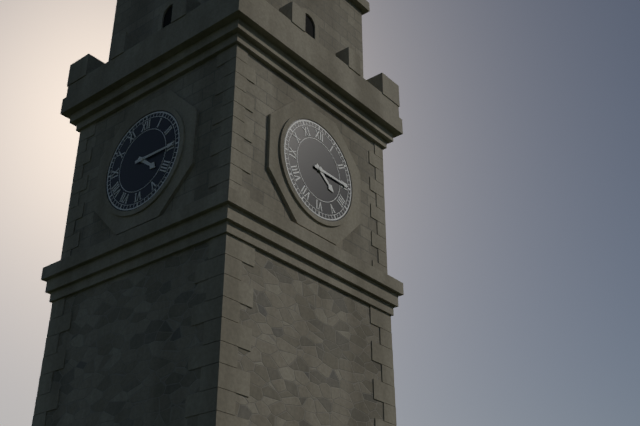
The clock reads 4.15
